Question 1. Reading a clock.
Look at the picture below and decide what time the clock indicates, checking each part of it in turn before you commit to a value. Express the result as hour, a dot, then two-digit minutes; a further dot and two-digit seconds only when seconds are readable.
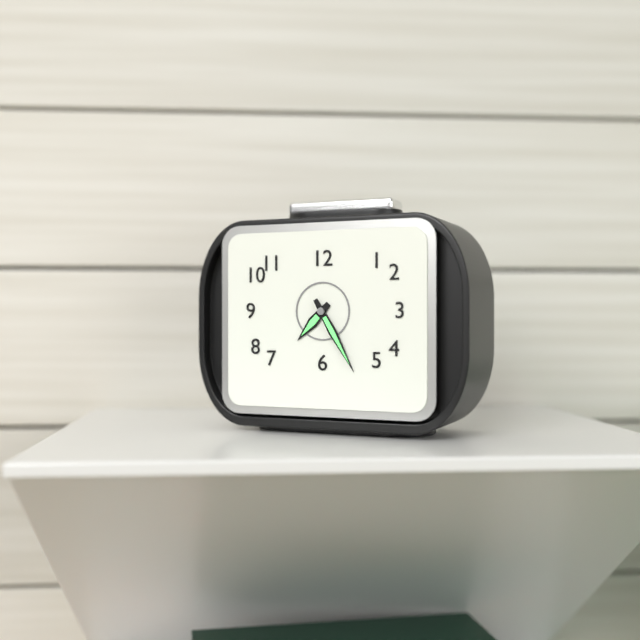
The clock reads 7.25
